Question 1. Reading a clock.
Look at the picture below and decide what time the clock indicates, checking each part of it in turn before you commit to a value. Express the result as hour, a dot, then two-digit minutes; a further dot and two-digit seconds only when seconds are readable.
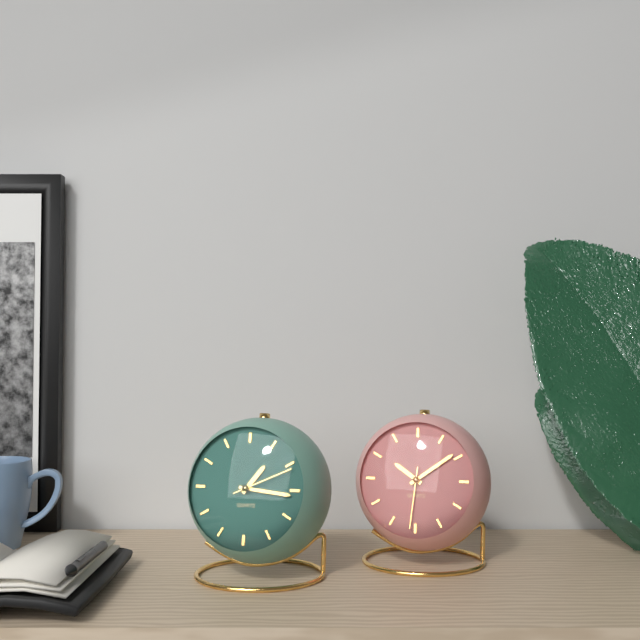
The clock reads 1.16.11
